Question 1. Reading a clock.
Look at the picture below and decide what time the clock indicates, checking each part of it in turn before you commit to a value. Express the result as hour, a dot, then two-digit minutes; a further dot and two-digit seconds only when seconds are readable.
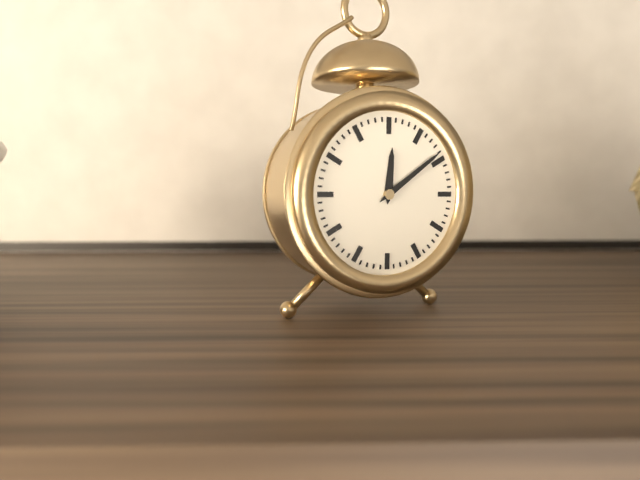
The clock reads 12.09
